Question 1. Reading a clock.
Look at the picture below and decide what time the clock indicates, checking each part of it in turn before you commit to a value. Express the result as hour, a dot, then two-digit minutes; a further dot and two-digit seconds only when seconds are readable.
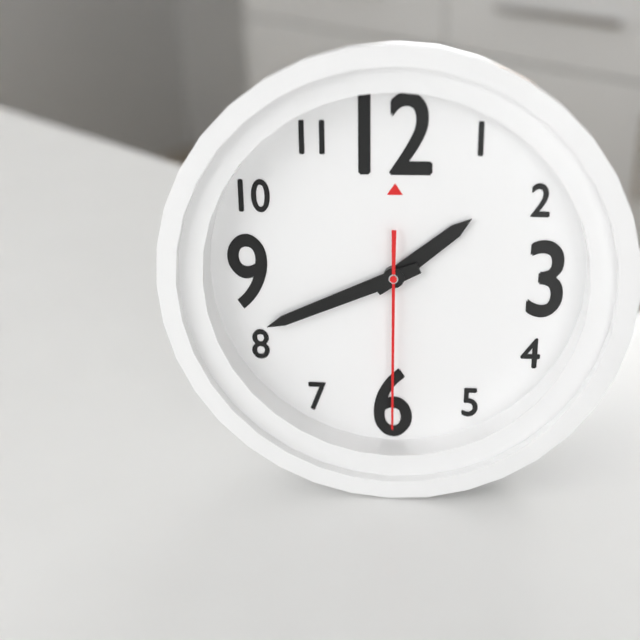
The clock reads 1.41.30
